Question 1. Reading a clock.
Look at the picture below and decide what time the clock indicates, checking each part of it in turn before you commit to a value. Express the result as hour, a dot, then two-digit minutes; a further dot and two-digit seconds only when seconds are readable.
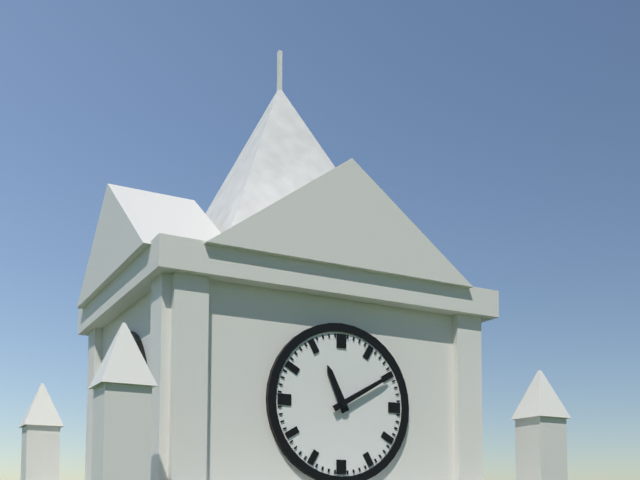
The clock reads 11.10
